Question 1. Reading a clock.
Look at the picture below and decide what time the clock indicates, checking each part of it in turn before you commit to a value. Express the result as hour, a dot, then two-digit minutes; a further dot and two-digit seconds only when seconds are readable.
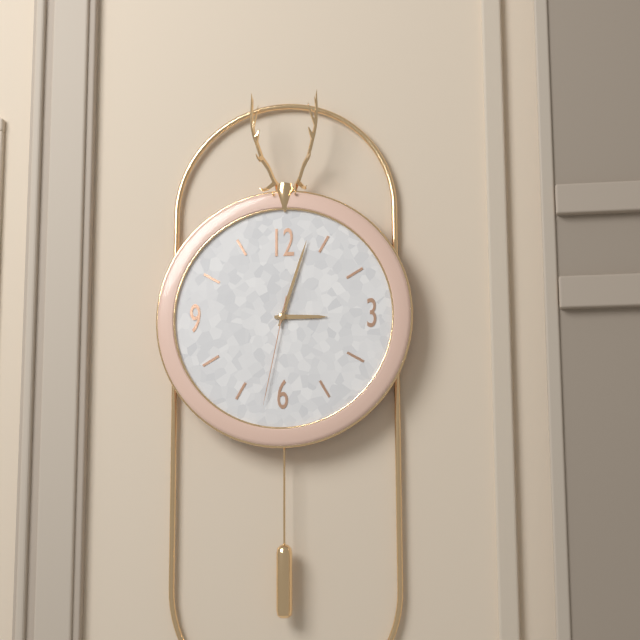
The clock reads 3.03.32
